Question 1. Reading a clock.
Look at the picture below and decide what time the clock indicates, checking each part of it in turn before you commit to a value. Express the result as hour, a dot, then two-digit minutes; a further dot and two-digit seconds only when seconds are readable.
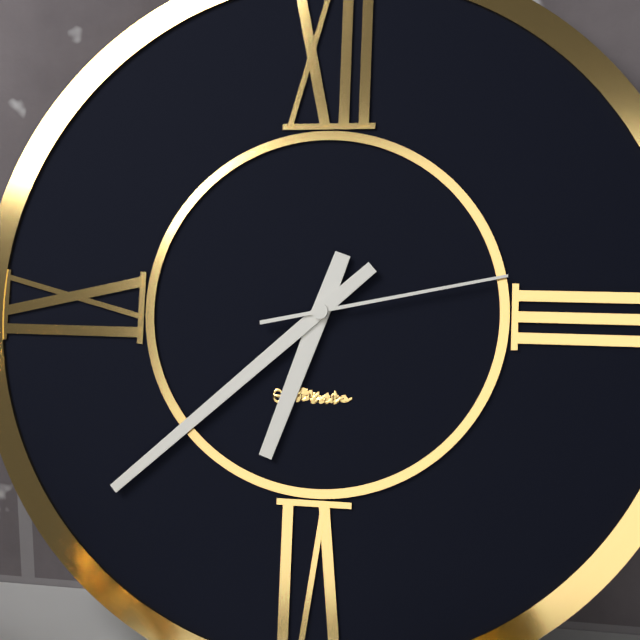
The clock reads 6.38.13
